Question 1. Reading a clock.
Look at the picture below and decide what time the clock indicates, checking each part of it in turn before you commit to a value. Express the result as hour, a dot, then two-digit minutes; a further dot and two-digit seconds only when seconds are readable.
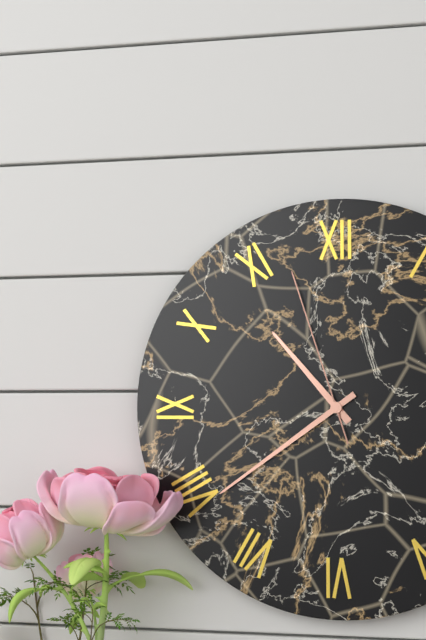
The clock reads 10.39.57
